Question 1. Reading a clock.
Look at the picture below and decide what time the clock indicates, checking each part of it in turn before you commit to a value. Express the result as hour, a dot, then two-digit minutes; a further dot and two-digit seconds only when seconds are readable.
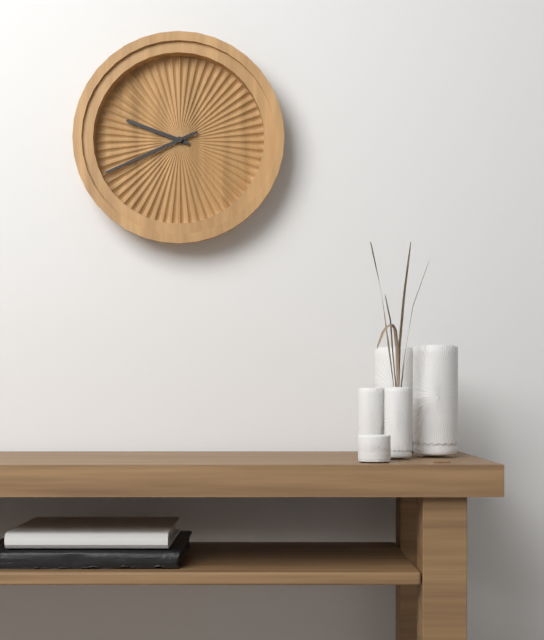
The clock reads 9.41
